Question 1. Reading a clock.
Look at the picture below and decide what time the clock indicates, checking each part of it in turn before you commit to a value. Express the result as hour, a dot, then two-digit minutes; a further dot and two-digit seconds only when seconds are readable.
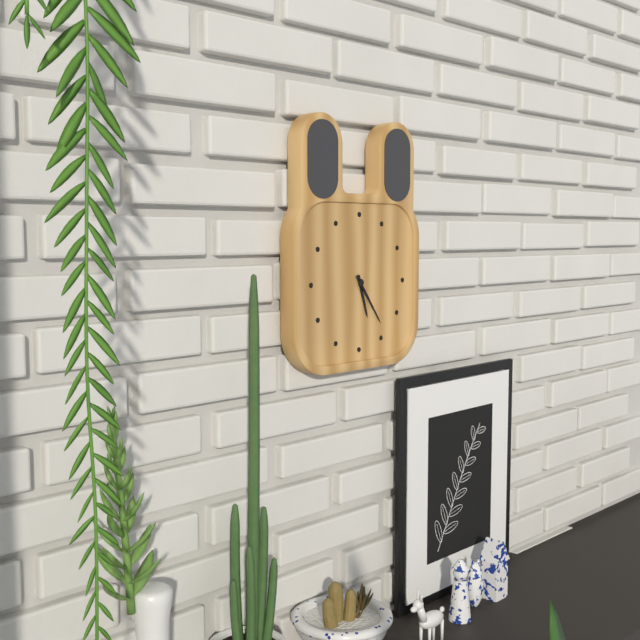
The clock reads 5.24
